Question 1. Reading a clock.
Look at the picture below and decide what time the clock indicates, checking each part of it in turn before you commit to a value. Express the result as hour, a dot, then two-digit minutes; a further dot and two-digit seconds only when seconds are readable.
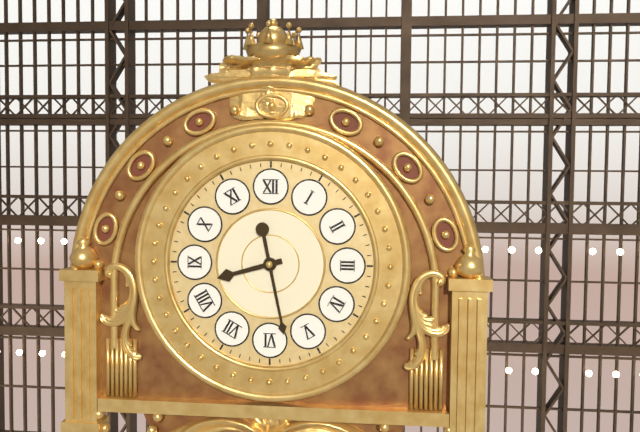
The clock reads 8.28
